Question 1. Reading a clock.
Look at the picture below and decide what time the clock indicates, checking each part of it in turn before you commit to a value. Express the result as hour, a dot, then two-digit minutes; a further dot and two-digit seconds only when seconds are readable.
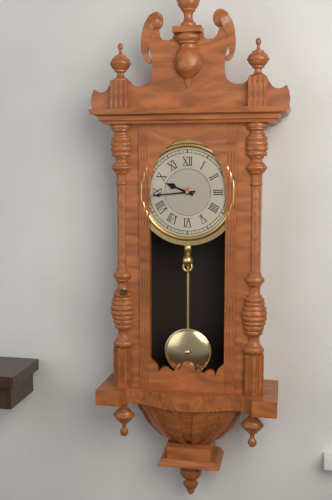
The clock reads 9.44
